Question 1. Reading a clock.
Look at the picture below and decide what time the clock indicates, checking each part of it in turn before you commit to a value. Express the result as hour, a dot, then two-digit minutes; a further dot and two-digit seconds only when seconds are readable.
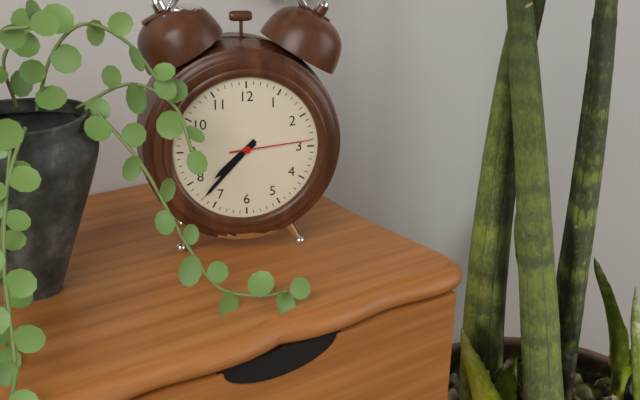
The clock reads 7.37.14
